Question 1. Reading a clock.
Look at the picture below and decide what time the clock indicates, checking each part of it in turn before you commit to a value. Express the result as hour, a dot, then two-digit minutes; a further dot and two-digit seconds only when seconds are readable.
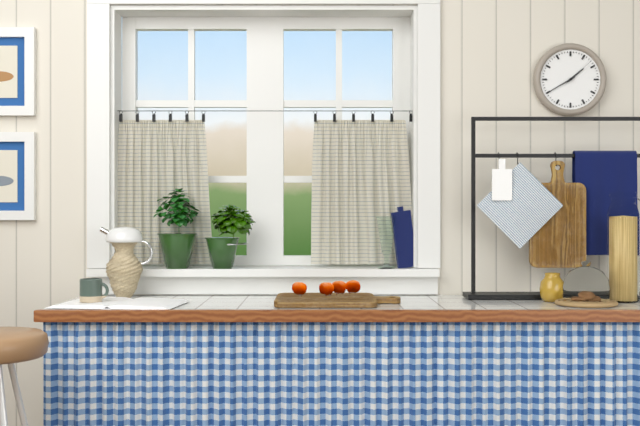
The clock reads 1.40
